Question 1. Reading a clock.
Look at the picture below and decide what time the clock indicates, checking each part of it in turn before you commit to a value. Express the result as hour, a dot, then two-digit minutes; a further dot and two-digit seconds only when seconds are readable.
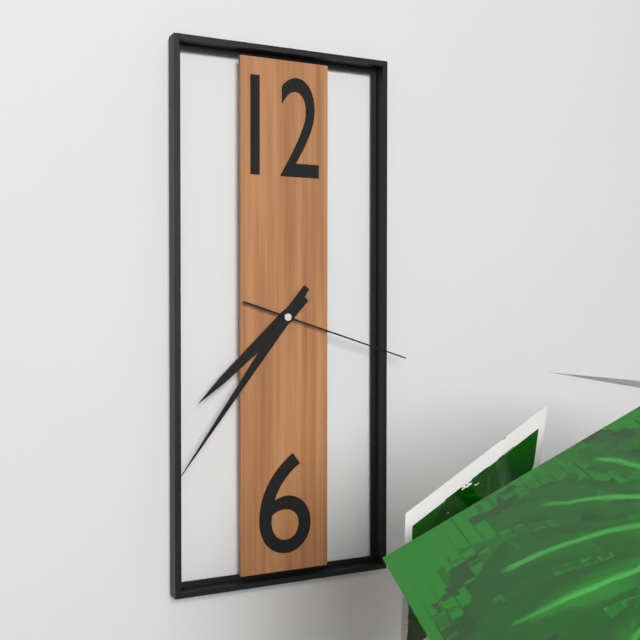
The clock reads 7.36.18
